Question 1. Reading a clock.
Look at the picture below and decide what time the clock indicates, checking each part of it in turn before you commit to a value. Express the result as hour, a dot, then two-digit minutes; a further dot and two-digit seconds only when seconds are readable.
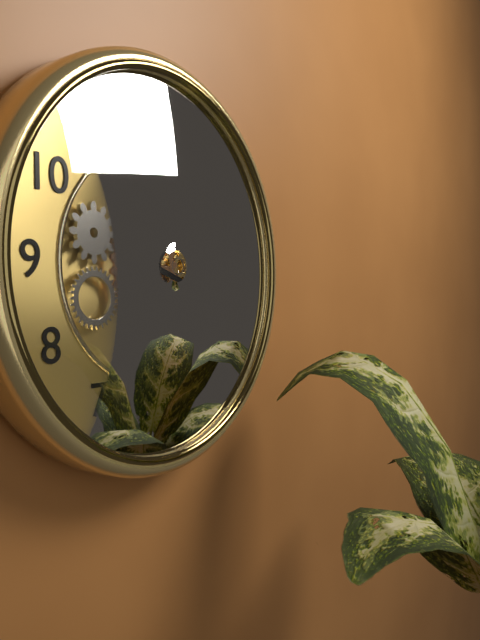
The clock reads 1.18
